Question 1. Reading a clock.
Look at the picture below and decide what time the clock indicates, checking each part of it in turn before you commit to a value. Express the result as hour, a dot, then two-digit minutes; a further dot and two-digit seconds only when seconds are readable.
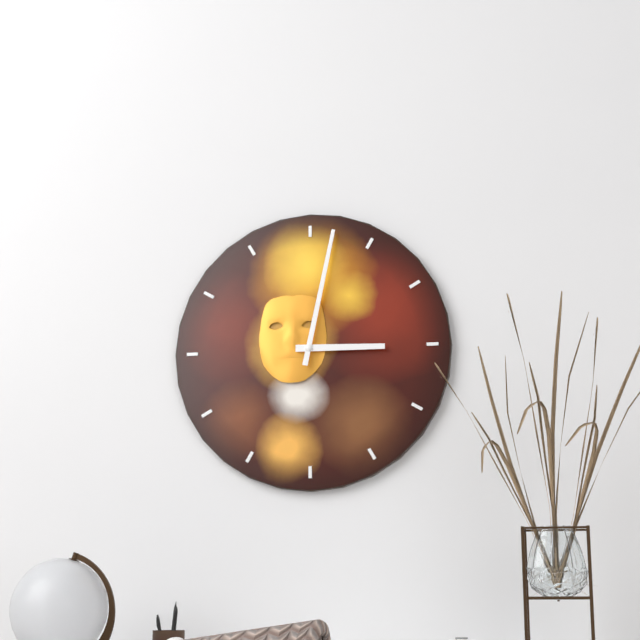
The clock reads 3.02
